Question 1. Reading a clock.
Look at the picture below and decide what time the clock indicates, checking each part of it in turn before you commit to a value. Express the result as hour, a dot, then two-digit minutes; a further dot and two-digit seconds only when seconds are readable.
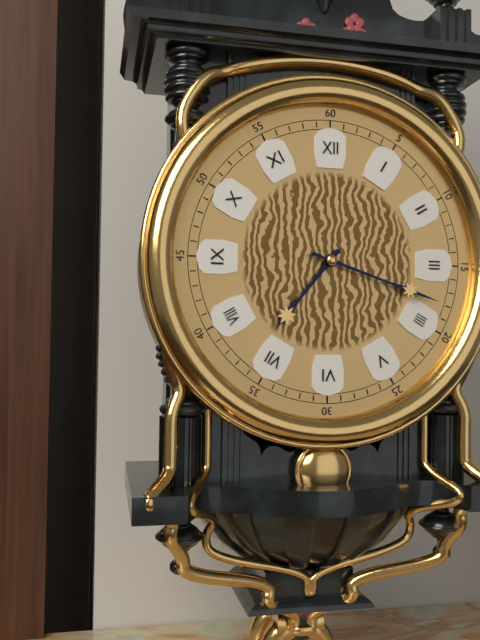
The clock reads 7.18
